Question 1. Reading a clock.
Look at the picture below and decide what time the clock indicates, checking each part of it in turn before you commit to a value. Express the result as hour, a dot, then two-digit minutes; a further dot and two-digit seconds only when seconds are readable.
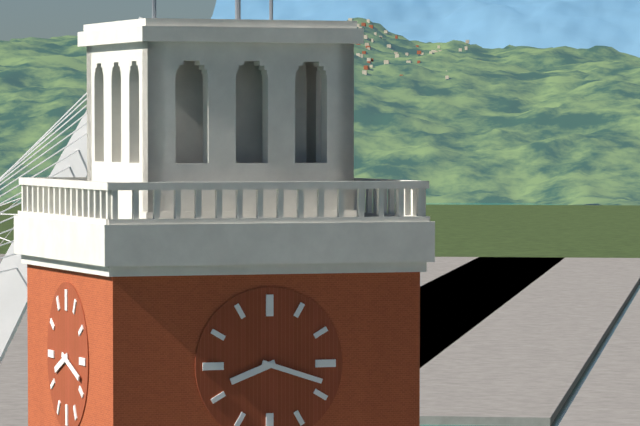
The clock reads 8.18
